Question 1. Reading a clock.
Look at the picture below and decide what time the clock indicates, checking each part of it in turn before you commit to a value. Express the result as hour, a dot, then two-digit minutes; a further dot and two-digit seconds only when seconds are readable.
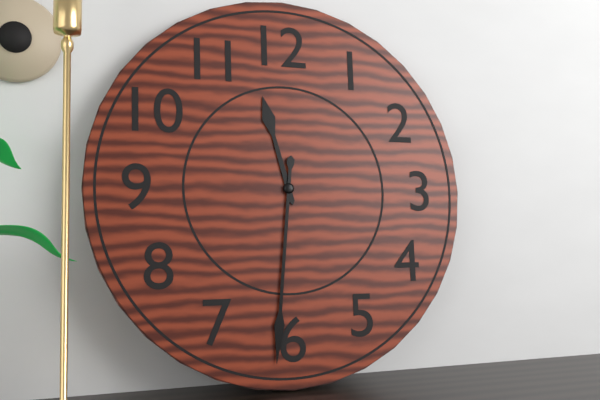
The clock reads 11.31
